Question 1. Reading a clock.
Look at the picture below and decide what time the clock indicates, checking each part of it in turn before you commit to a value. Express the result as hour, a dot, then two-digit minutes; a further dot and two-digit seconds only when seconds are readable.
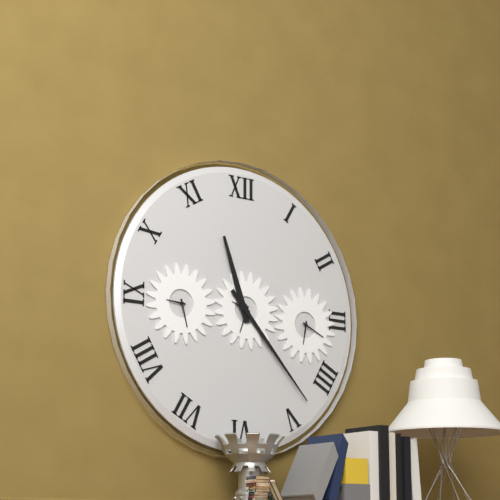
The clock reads 11.23
